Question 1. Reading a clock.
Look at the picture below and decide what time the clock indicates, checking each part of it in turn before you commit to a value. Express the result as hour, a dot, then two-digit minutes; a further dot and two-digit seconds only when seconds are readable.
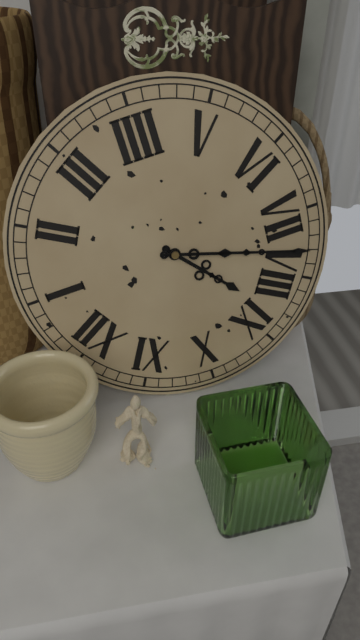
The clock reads 8.38
